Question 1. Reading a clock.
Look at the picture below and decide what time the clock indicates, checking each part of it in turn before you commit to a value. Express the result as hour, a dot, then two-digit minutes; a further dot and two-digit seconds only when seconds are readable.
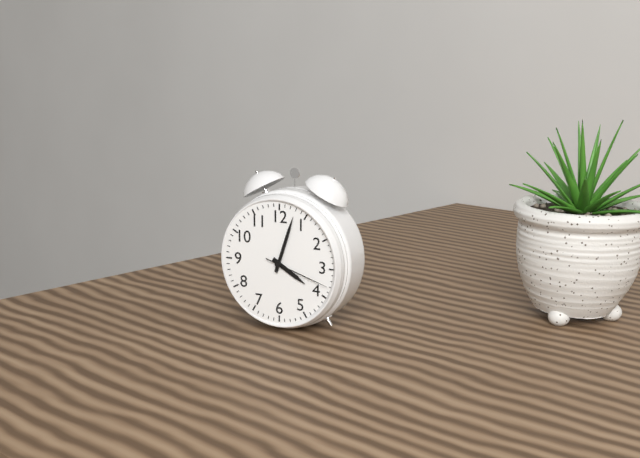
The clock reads 4.03.18
